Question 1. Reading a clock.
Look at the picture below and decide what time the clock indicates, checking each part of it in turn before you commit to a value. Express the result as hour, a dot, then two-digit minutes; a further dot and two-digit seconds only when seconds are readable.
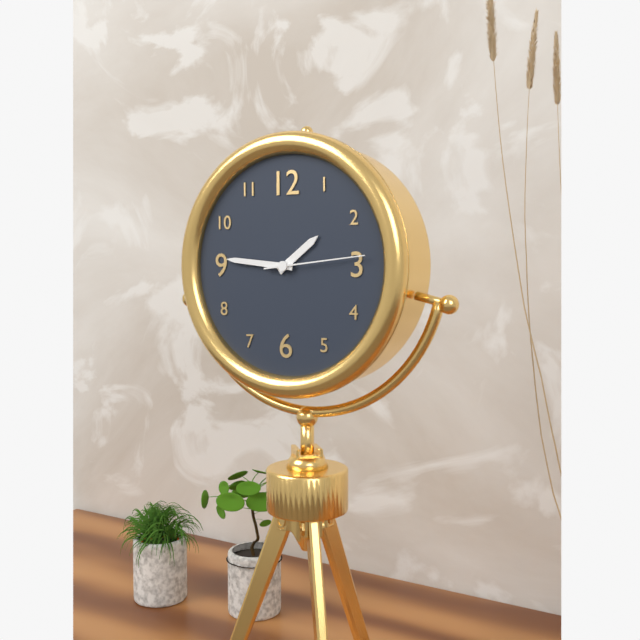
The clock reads 1.46.14
